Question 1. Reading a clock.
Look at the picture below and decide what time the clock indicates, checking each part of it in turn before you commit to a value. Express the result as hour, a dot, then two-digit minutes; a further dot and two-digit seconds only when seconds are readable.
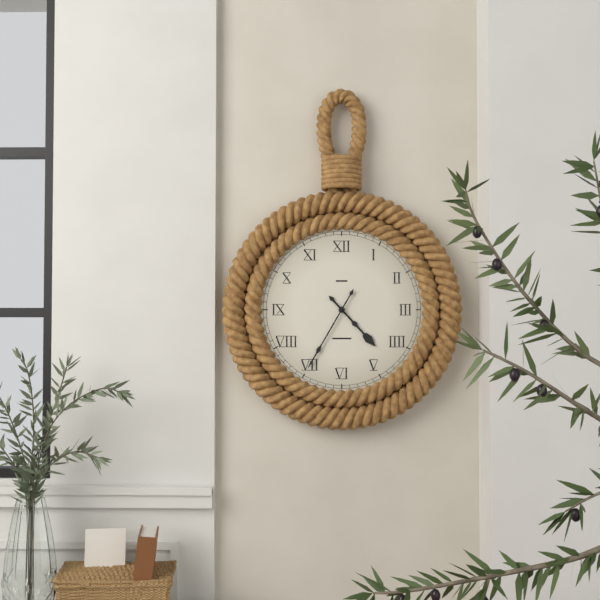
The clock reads 4.35
